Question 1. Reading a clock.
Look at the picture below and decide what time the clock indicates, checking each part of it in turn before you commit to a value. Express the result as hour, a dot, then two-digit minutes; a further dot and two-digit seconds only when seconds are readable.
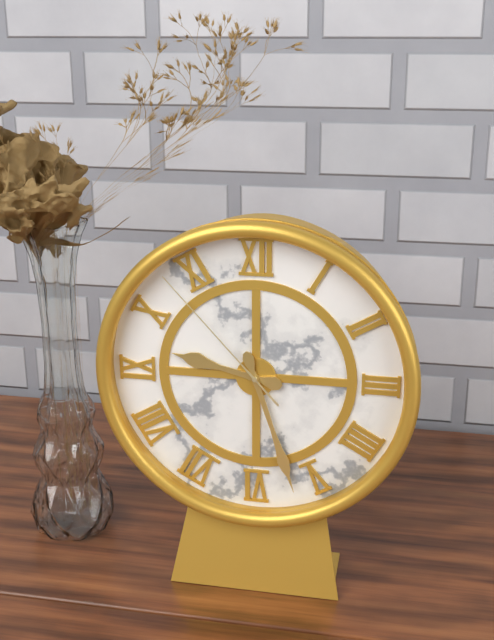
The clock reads 9.27.53
